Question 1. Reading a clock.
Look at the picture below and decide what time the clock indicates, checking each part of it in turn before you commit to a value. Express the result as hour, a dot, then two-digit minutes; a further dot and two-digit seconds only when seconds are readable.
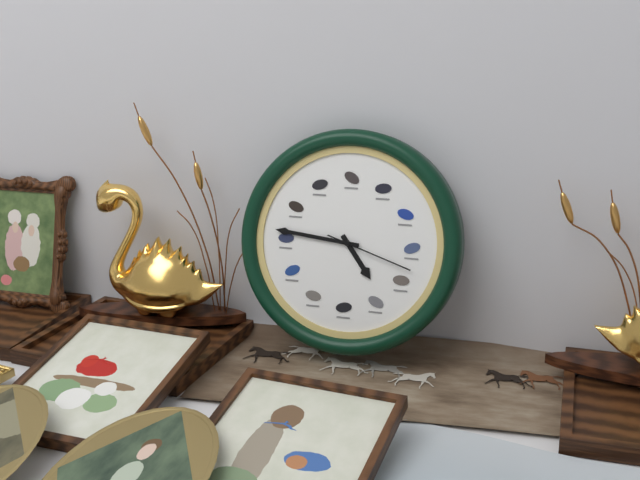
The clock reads 4.46.18
